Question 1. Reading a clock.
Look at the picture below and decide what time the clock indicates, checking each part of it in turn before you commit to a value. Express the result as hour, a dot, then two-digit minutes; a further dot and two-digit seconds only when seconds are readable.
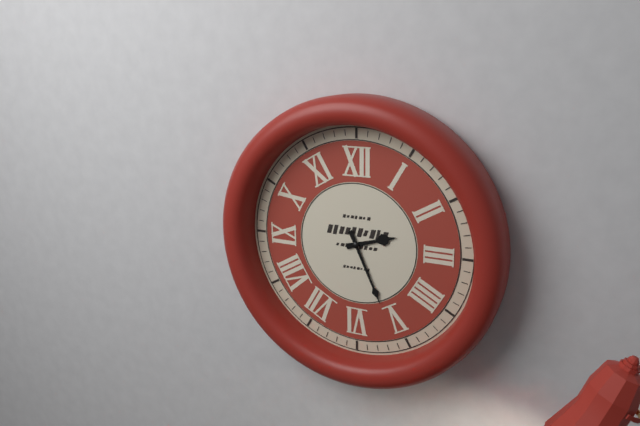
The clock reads 2.26
